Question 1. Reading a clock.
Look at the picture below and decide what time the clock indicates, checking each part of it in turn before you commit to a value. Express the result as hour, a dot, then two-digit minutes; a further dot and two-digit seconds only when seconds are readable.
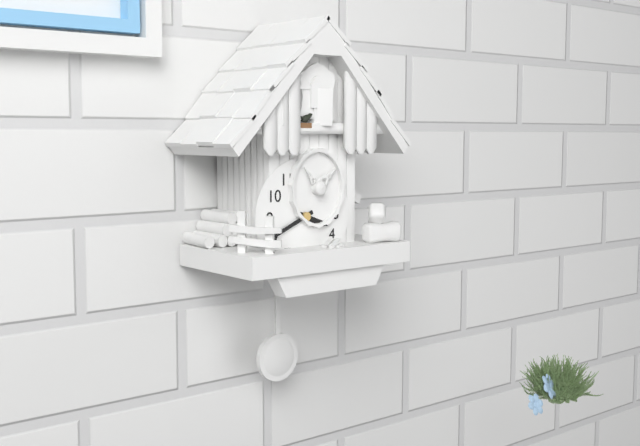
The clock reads 3.41
